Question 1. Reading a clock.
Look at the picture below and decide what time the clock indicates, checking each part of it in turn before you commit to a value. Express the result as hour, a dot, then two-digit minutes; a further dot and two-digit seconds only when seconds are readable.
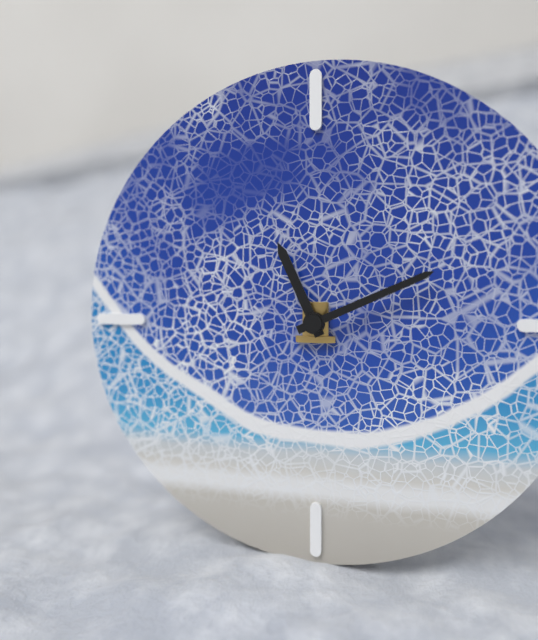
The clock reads 11.11
